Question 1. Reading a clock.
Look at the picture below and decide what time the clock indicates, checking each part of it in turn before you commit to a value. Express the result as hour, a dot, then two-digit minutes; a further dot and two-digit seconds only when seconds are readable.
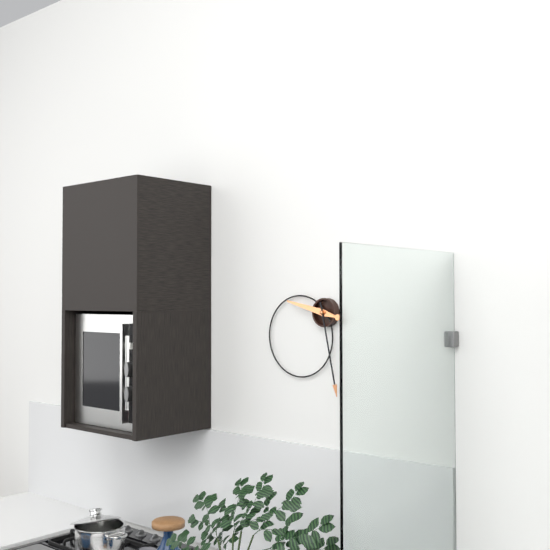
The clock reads 9.28
